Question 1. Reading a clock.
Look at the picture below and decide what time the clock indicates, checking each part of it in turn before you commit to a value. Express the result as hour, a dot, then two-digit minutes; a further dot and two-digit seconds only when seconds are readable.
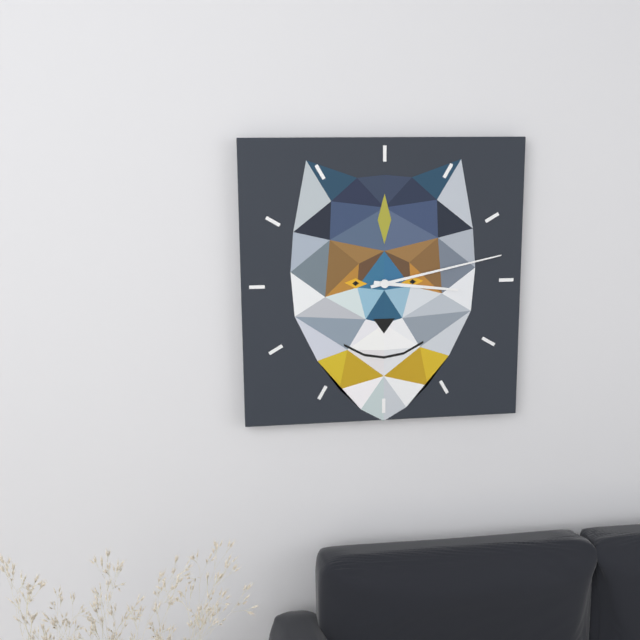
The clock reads 3.13
